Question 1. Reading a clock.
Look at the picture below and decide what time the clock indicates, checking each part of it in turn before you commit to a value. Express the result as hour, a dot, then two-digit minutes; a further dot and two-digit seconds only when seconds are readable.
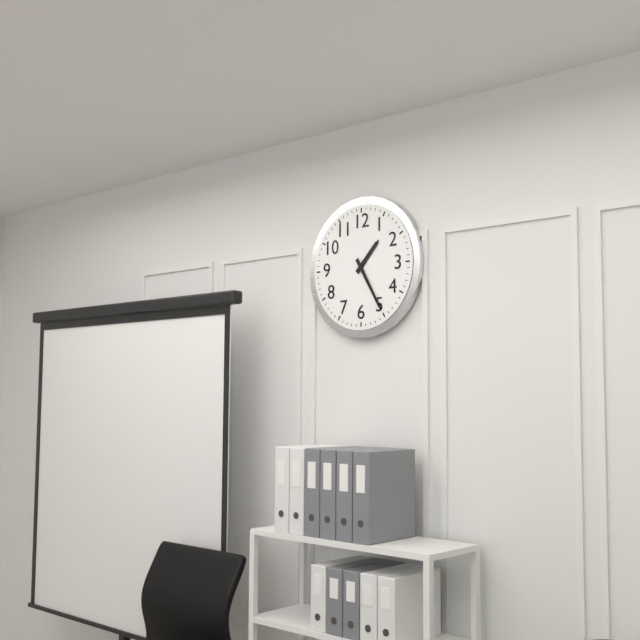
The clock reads 1.25
